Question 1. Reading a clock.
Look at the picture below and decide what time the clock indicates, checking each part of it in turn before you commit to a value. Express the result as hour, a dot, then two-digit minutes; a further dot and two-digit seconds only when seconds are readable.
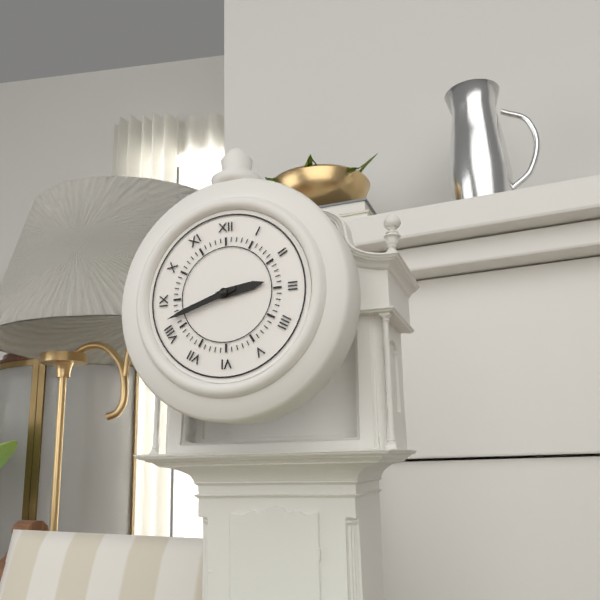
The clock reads 2.42
